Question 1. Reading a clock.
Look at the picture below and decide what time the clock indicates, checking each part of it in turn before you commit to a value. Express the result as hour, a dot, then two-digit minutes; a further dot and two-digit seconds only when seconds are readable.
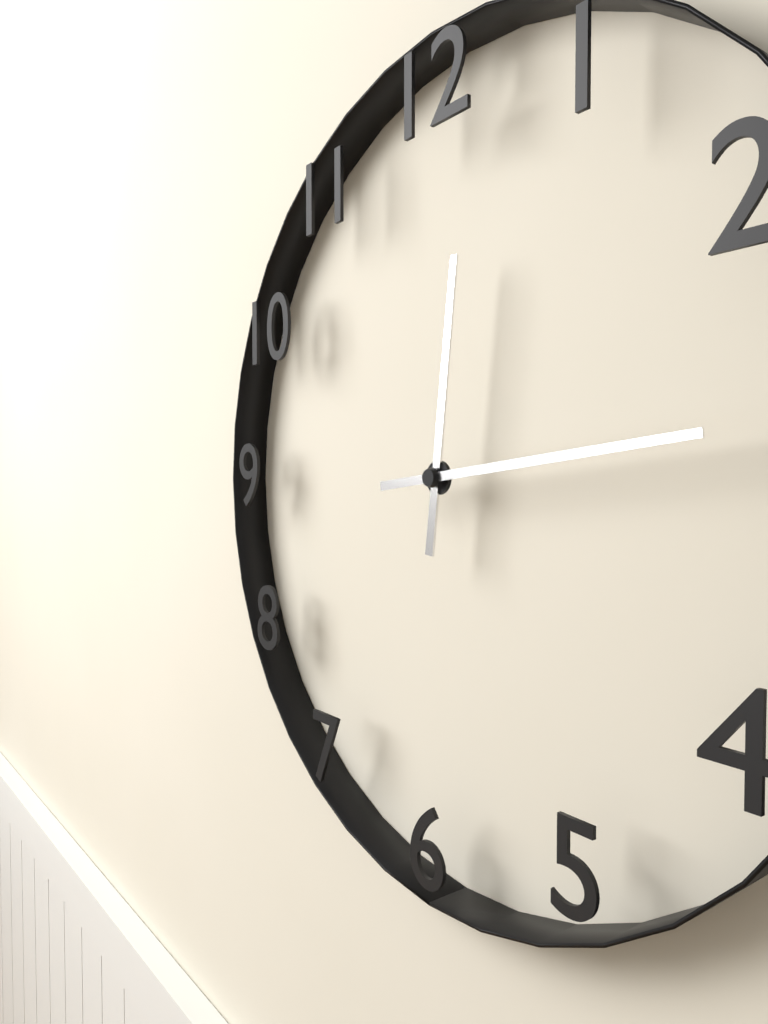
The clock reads 12.14
